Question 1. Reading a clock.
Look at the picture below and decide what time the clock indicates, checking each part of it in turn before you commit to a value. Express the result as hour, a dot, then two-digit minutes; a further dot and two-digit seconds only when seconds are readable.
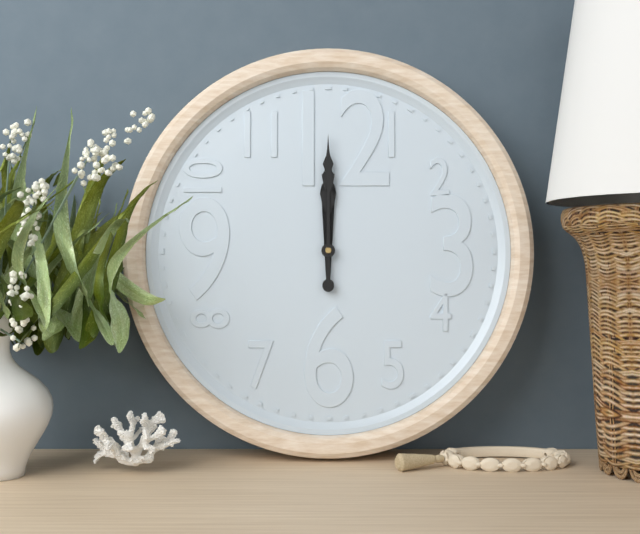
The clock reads 12.00
